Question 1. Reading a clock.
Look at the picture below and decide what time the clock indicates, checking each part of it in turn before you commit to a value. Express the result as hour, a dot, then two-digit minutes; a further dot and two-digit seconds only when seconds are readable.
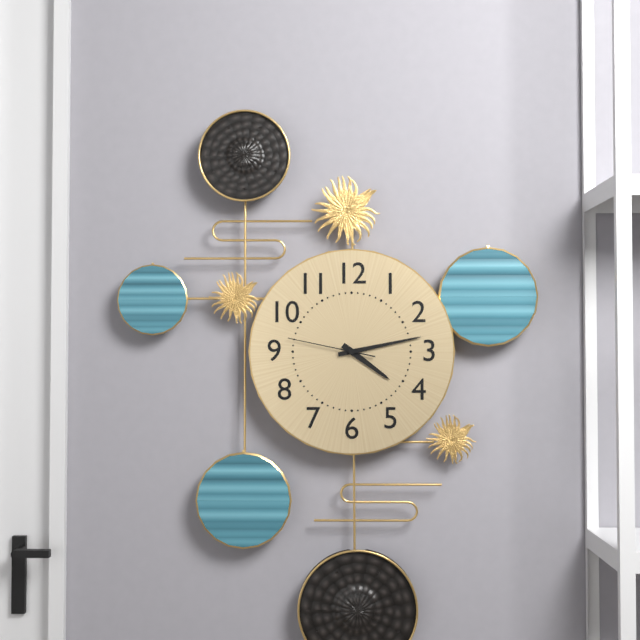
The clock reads 4.13.47
